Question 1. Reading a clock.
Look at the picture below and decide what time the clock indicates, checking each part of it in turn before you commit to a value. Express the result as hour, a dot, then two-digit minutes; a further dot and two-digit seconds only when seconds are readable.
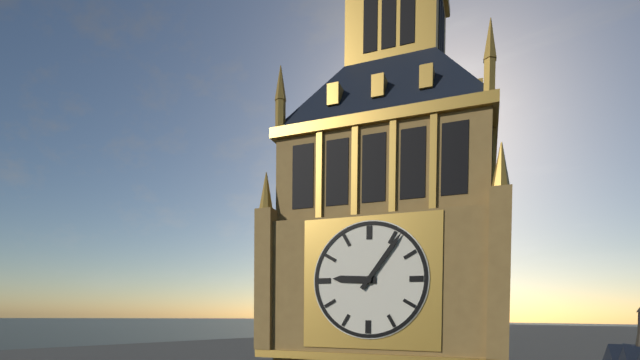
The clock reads 9.06
